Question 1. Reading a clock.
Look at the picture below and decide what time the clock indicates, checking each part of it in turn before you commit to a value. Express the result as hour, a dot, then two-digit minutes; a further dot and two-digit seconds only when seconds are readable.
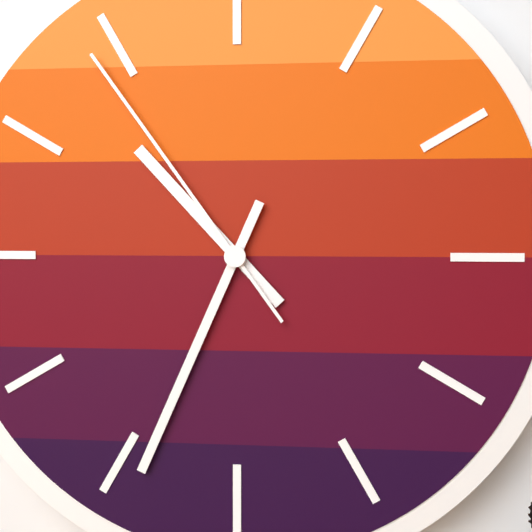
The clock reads 10.34.54
